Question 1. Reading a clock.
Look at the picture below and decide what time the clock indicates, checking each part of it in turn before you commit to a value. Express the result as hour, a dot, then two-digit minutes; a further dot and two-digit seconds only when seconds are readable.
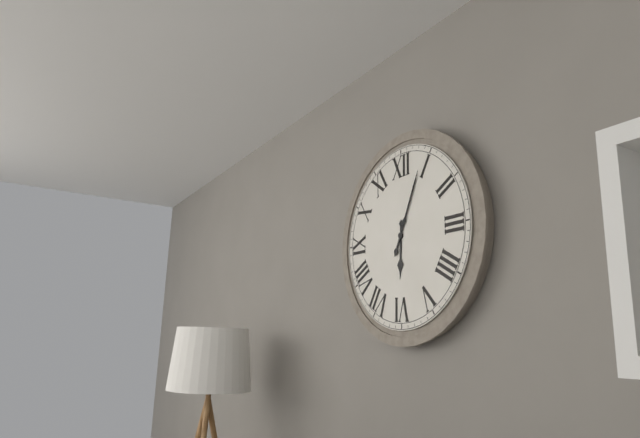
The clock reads 6.04
